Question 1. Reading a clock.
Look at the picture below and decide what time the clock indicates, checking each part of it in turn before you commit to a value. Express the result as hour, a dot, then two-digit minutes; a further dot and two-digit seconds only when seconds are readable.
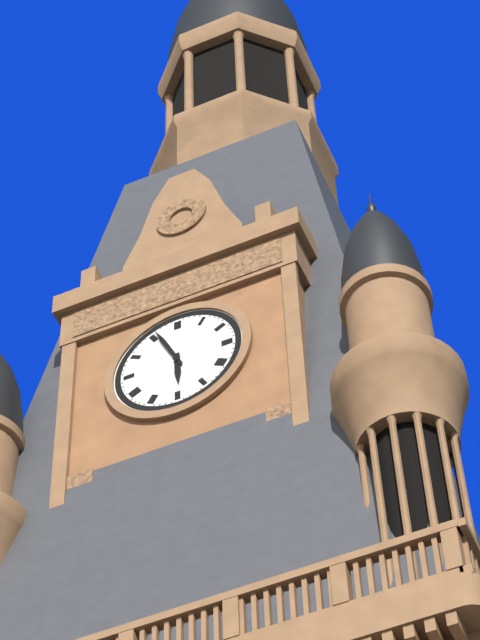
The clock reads 5.56
